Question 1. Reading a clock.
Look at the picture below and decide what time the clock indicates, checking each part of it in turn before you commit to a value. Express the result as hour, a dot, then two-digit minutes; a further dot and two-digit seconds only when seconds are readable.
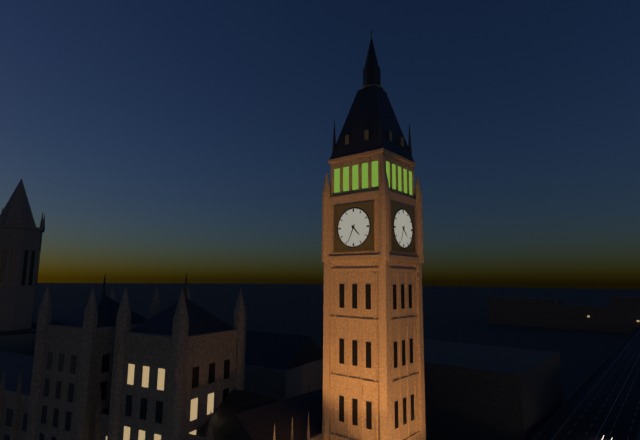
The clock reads 4.34
